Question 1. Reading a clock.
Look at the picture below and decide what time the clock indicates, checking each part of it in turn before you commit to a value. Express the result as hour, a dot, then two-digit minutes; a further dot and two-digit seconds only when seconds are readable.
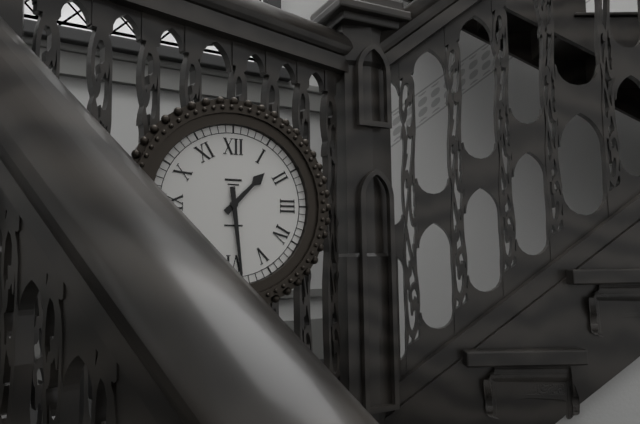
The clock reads 1.29
